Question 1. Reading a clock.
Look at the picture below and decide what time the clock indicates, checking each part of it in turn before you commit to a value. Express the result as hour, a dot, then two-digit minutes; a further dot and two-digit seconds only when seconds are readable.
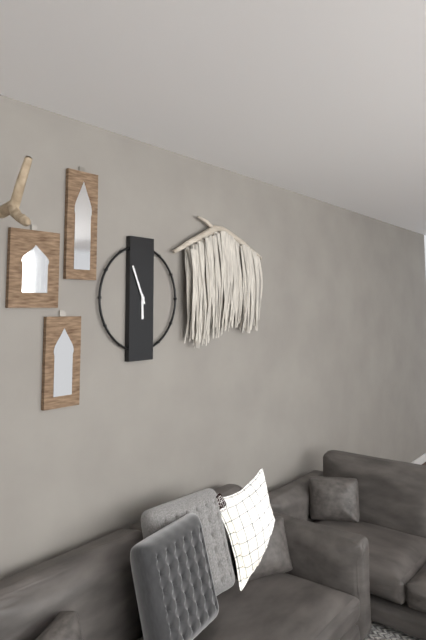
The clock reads 5.56
